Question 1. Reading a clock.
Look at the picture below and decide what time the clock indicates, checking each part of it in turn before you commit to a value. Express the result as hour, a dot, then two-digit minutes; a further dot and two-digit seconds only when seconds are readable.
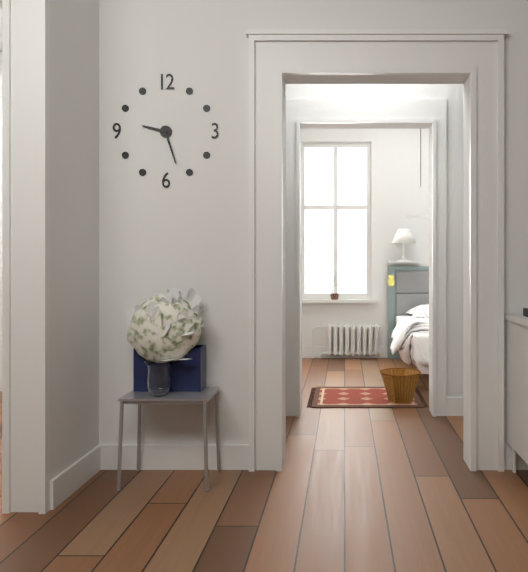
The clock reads 9.27
